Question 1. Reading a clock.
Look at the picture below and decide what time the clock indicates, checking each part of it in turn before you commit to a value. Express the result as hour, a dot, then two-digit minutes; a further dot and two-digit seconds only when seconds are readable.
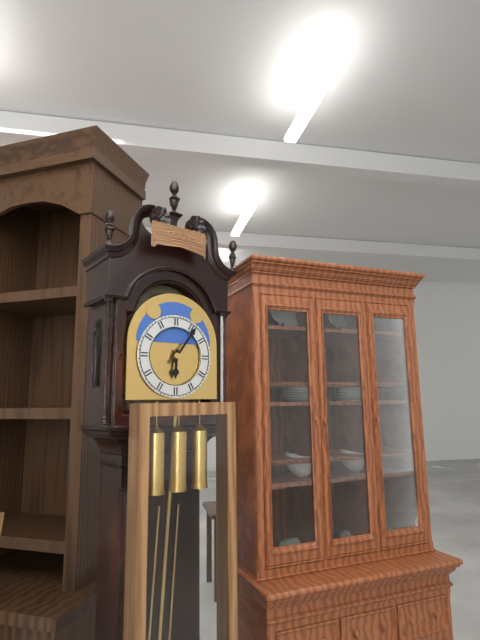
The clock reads 6.06
